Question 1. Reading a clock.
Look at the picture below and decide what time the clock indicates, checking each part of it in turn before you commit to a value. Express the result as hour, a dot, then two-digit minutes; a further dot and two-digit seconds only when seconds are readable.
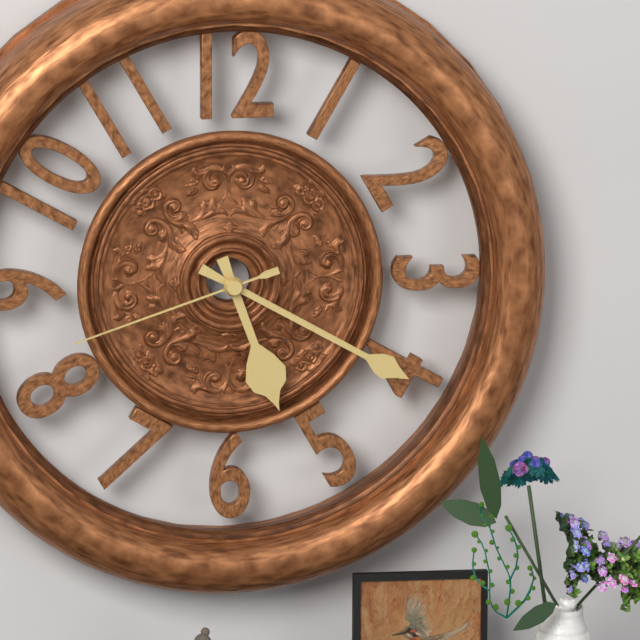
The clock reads 5.20.42
